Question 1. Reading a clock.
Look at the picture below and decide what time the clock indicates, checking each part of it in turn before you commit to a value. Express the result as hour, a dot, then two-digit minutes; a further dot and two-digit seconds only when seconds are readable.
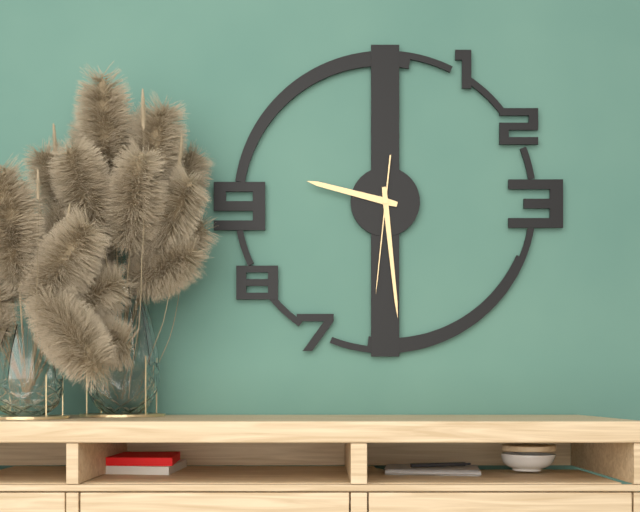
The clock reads 9.29.31
